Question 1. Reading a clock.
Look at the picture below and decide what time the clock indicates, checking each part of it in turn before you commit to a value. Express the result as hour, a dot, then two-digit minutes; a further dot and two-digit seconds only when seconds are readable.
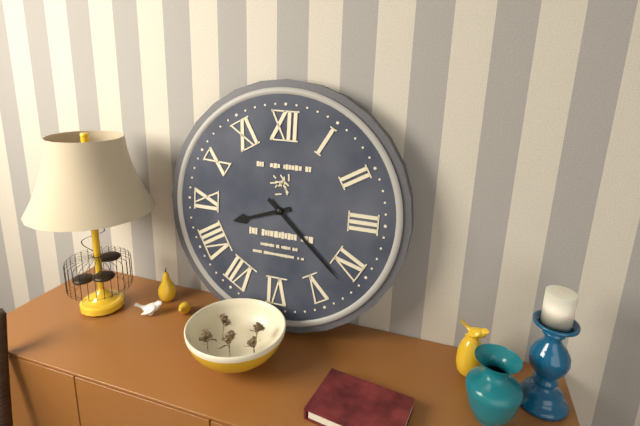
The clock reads 8.22
